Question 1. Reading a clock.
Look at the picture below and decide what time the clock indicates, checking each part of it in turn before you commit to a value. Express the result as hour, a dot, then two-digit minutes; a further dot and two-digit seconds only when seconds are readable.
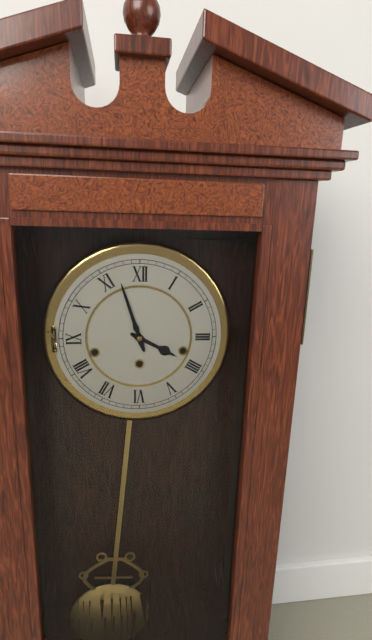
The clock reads 3.57
